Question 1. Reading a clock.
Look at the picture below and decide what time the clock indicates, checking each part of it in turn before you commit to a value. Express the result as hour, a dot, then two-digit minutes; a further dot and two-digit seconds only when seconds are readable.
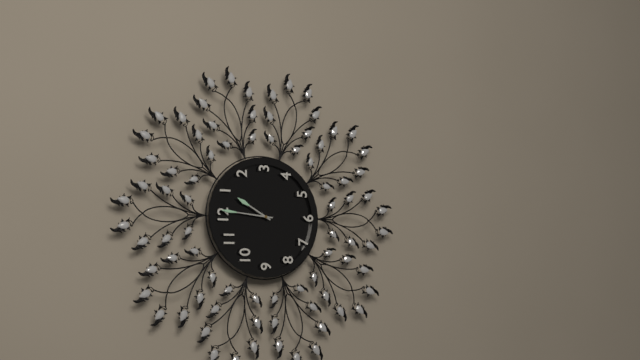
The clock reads 1.01
